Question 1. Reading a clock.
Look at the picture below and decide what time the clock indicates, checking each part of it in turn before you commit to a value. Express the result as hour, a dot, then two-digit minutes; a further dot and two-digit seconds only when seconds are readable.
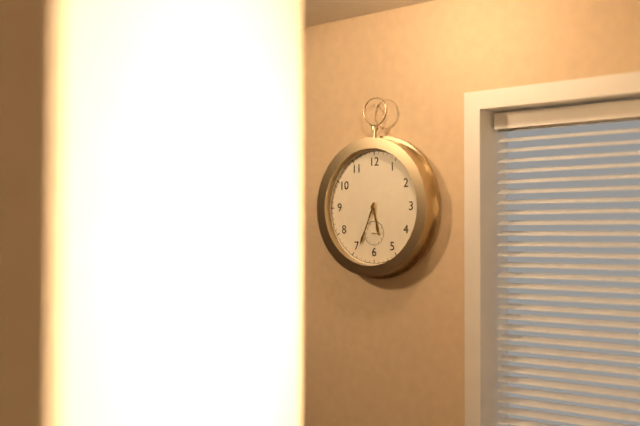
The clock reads 5.34
